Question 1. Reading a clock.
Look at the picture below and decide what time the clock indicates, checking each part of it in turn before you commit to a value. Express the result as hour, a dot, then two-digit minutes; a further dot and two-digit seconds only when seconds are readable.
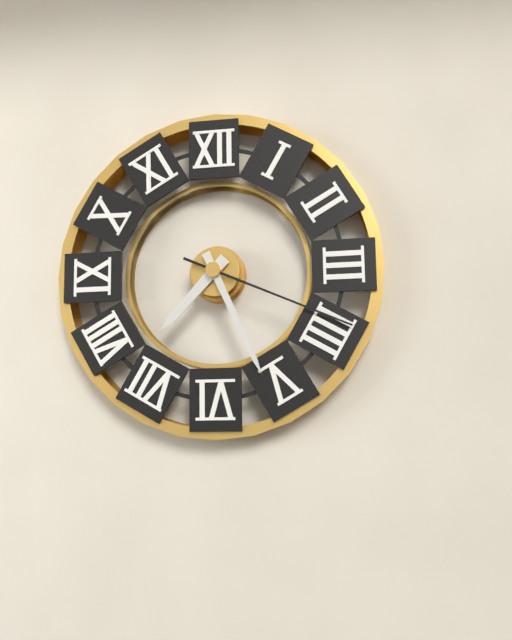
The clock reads 7.26.19
